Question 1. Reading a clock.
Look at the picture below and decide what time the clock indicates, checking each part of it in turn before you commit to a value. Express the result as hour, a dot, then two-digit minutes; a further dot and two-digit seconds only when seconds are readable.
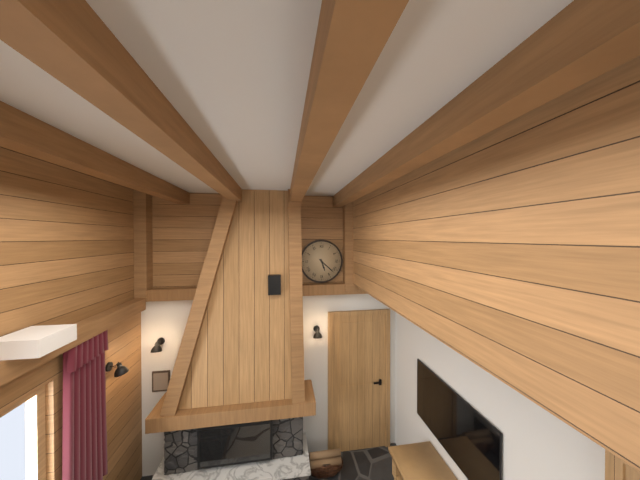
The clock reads 5.22
